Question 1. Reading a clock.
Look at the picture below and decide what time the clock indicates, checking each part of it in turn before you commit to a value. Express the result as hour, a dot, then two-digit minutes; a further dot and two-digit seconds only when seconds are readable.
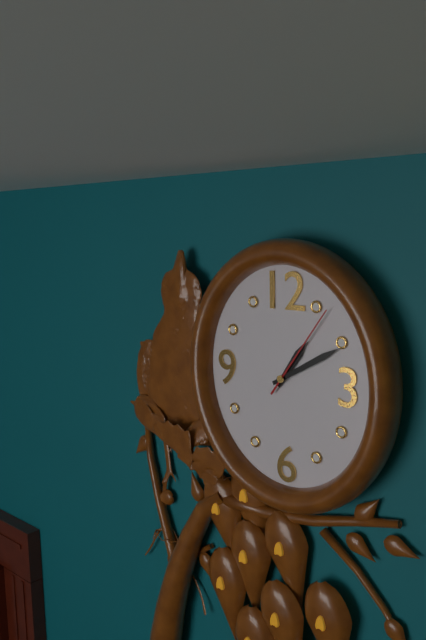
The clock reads 1.10.06
